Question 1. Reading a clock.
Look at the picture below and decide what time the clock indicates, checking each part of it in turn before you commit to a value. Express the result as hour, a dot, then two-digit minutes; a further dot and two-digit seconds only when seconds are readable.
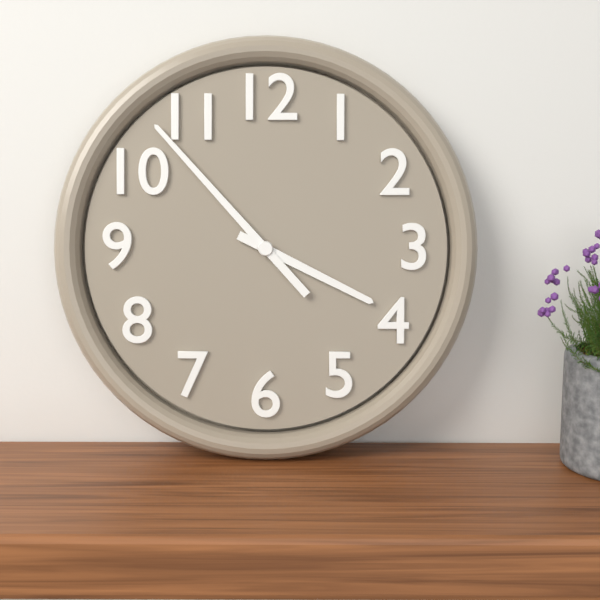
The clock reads 3.53
